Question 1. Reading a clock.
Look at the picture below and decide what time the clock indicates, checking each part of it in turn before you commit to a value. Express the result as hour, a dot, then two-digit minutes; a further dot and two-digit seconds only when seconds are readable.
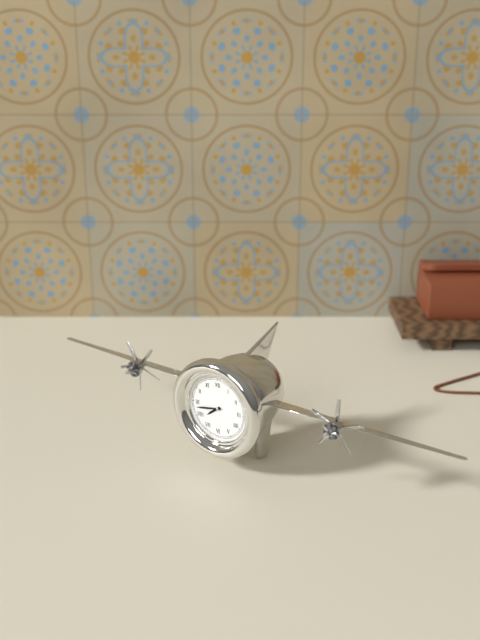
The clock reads 7.43
